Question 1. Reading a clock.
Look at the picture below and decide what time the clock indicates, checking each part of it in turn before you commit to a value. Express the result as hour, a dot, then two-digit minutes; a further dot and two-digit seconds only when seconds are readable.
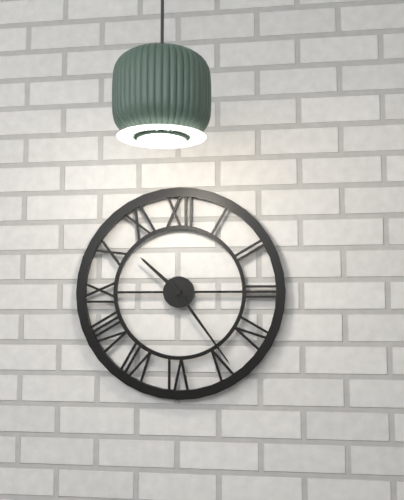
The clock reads 10.24
